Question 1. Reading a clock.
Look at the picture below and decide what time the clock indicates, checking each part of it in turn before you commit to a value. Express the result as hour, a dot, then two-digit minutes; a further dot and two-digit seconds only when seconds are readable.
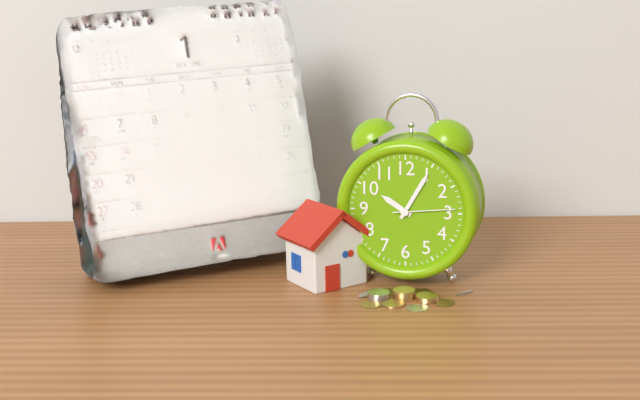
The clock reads 10.05.14
